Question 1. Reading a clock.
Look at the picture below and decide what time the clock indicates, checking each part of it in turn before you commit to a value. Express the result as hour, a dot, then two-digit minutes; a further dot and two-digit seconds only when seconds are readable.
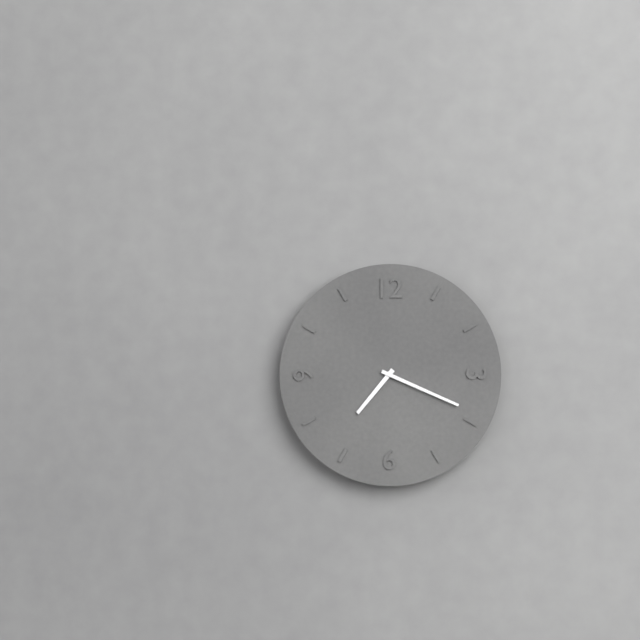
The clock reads 7.19
